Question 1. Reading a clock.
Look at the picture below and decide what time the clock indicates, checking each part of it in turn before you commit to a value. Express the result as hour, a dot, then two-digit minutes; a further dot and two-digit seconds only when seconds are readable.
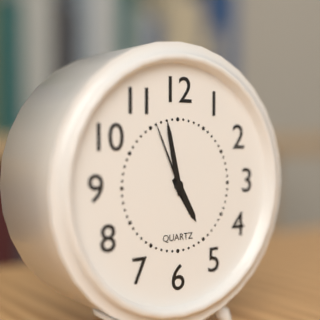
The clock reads 4.58.56
